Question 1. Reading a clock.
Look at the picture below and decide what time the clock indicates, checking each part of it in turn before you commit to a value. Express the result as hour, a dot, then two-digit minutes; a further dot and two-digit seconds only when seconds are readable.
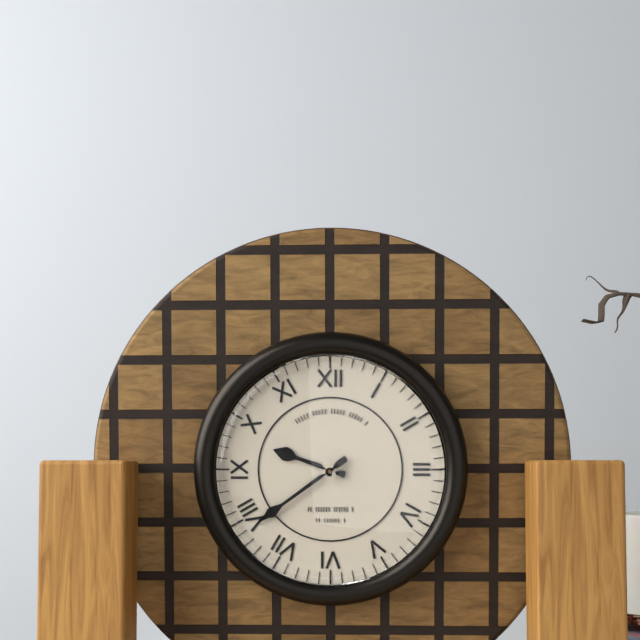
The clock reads 9.39
